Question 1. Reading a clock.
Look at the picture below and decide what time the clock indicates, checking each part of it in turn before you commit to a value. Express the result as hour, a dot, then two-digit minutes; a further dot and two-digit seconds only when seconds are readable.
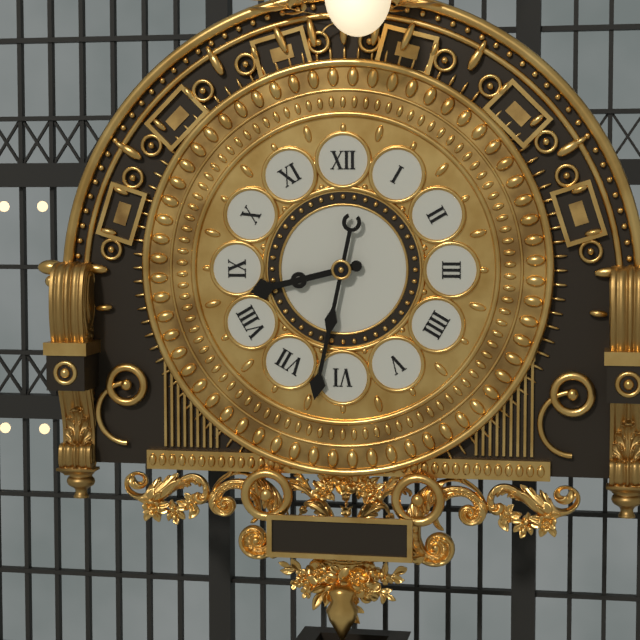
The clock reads 8.32
